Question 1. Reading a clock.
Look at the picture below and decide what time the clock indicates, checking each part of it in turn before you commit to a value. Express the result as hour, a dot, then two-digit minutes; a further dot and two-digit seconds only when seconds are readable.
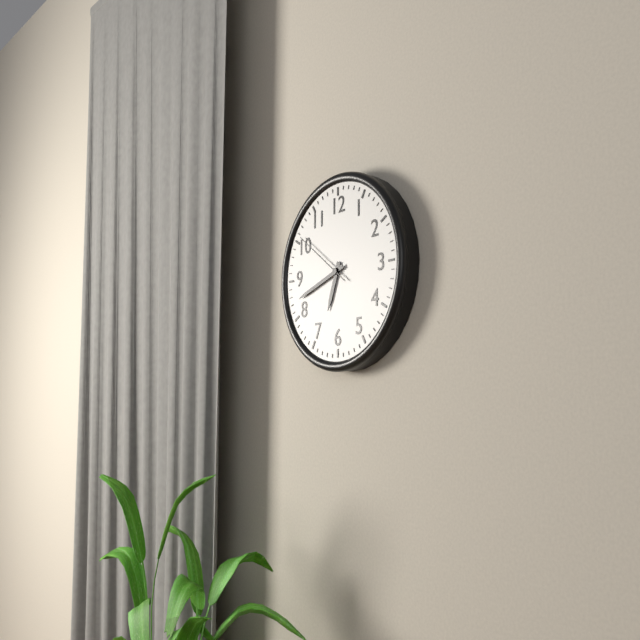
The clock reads 6.42.51
